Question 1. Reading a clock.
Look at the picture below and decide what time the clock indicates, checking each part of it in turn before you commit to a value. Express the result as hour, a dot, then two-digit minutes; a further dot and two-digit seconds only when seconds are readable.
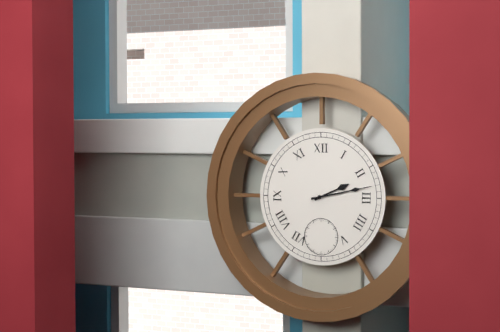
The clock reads 2.13
